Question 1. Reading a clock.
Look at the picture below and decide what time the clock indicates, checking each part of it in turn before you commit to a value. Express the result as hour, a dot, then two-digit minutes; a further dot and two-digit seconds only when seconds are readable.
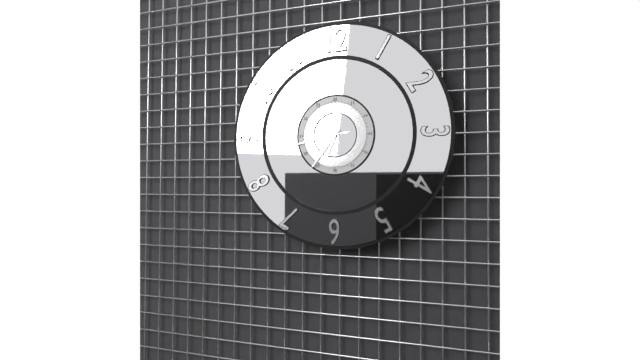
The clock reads 6.36.43
